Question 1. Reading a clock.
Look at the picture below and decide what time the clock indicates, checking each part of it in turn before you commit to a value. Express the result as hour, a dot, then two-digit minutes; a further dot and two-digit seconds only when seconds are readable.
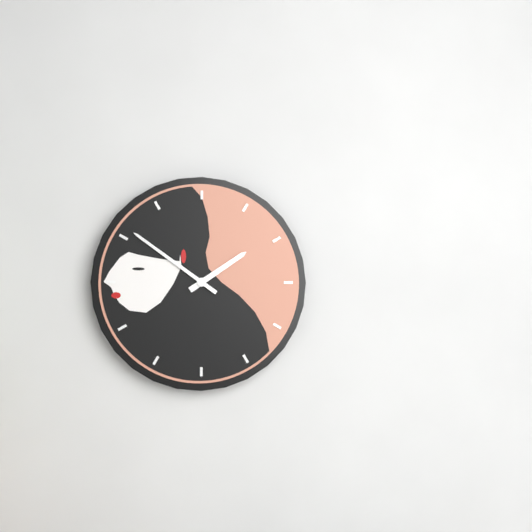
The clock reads 1.51
